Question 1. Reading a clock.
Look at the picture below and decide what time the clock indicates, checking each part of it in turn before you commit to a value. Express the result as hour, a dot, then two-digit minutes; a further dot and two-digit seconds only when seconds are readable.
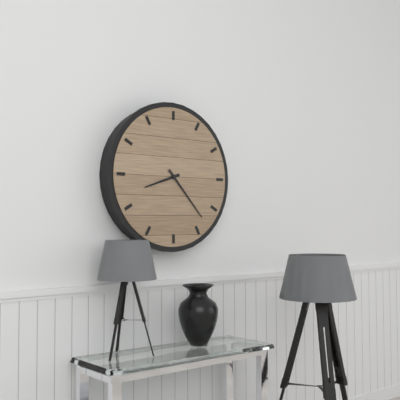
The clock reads 8.23
